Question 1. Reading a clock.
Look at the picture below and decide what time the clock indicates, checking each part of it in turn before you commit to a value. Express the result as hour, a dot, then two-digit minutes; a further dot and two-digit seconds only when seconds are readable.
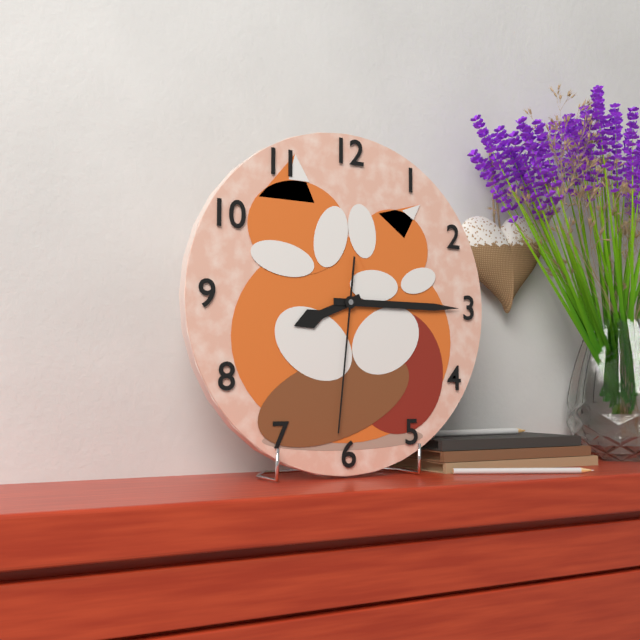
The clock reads 8.15.31
